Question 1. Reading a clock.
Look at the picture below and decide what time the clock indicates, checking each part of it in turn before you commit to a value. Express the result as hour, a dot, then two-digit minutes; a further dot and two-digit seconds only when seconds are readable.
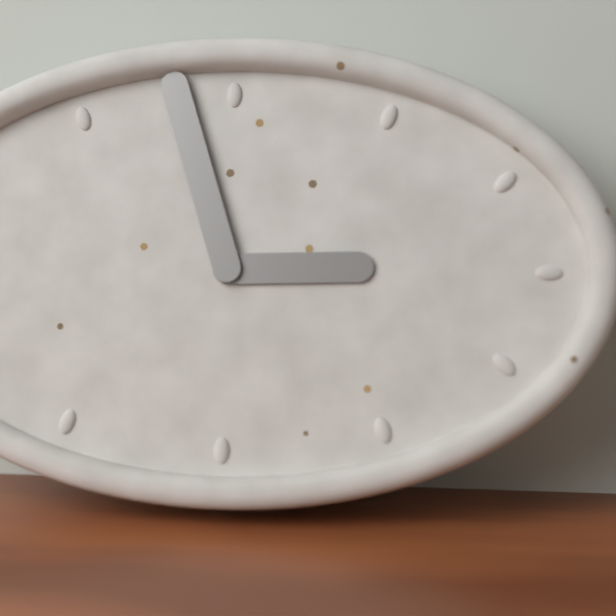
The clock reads 2.57
